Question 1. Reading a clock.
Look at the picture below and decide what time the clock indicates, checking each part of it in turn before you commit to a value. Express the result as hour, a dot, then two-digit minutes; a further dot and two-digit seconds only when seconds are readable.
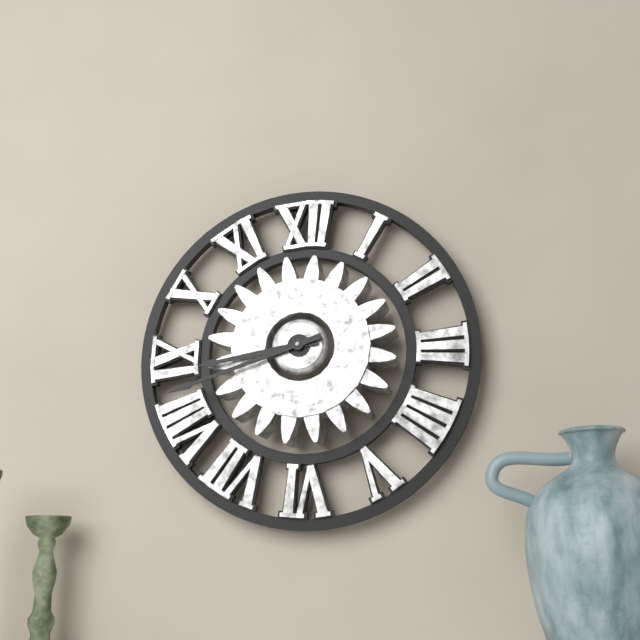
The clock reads 8.42
